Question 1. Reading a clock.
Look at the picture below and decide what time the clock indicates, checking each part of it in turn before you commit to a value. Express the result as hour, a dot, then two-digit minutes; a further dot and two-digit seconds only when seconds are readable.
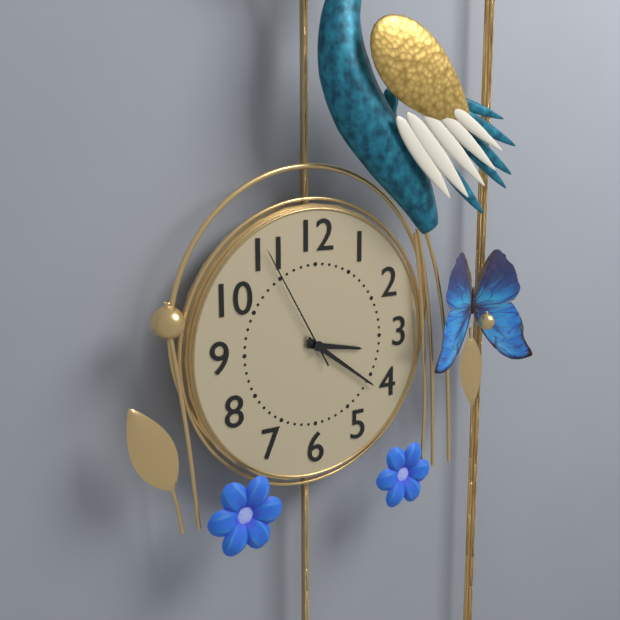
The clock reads 3.21.55
